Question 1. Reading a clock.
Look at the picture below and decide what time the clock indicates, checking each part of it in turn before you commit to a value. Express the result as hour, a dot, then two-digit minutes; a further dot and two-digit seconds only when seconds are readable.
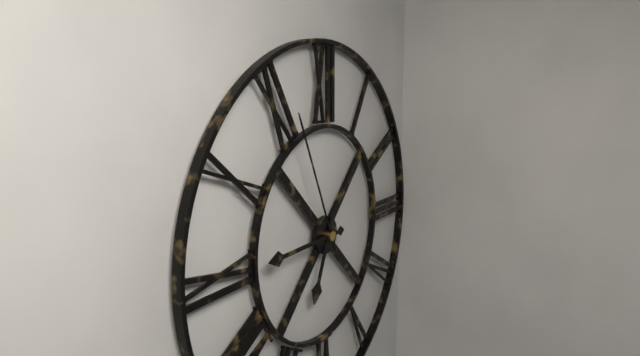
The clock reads 6.45.56
